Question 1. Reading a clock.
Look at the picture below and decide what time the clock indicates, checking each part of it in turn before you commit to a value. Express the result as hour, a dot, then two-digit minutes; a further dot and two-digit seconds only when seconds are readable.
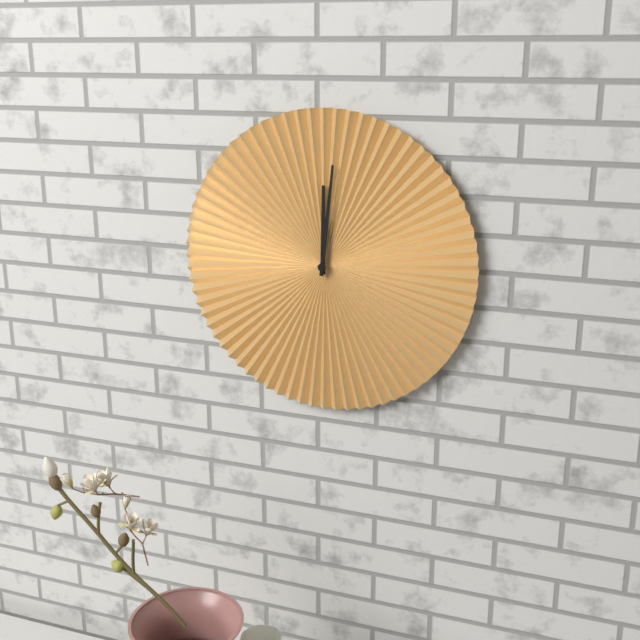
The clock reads 12.01
